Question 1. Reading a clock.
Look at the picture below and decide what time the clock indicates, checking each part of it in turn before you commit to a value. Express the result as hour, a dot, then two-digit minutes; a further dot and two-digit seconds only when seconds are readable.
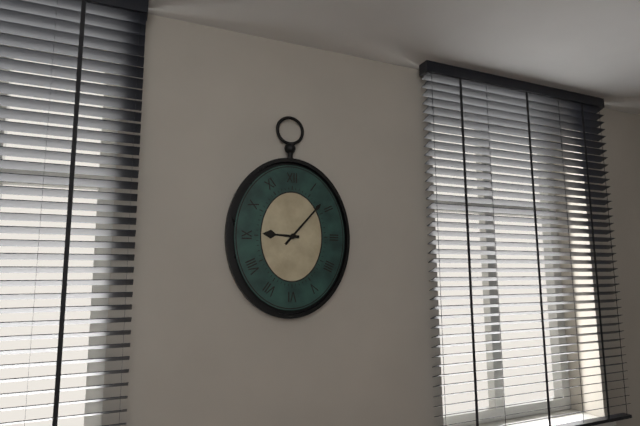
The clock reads 9.07
